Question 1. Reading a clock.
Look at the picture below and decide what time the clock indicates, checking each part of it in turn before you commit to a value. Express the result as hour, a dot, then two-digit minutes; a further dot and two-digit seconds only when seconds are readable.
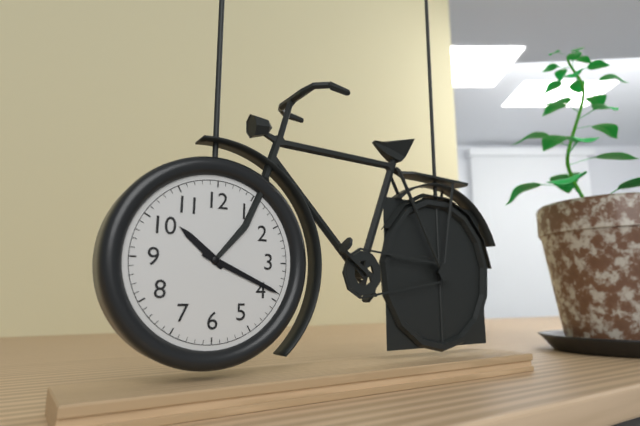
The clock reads 10.19
